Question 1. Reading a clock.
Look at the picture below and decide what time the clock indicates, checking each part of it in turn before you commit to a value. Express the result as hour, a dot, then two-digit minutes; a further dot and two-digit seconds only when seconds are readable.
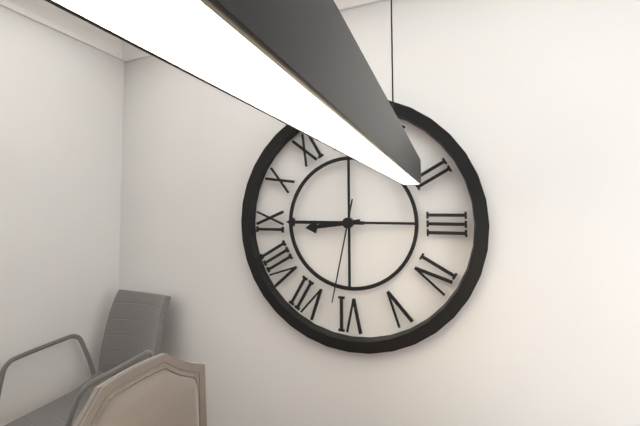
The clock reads 8.45.32
